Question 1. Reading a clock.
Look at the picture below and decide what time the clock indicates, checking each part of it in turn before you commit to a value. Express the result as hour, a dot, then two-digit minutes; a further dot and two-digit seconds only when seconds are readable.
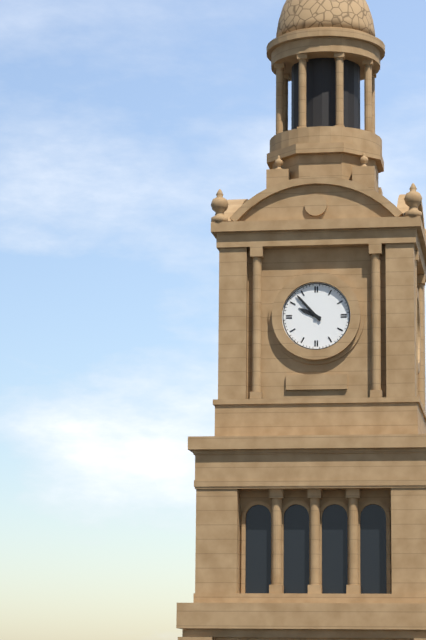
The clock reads 9.53
